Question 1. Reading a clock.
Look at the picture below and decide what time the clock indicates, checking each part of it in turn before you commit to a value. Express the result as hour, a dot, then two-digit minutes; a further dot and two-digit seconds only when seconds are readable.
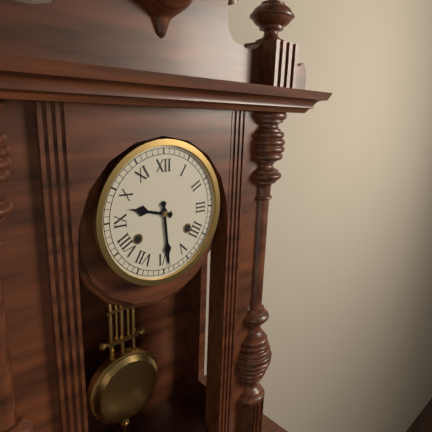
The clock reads 9.29
